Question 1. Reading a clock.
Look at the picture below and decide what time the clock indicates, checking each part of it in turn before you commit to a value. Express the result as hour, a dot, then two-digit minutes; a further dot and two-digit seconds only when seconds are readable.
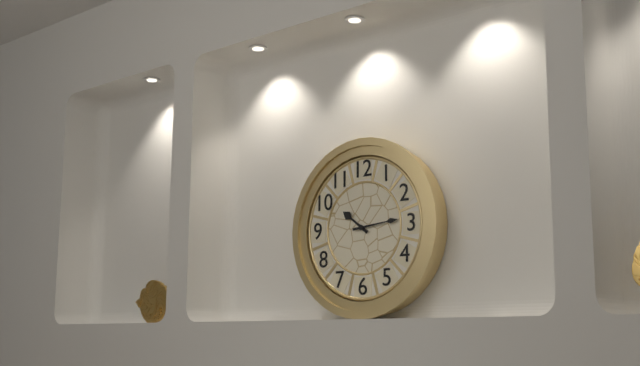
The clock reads 10.14
